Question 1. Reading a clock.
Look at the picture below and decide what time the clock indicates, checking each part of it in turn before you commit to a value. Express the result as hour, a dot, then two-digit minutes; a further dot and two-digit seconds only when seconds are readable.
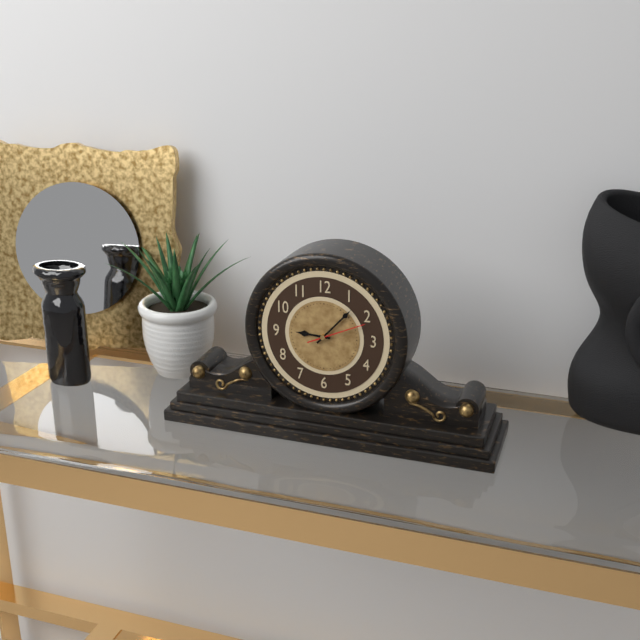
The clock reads 9.07.11
